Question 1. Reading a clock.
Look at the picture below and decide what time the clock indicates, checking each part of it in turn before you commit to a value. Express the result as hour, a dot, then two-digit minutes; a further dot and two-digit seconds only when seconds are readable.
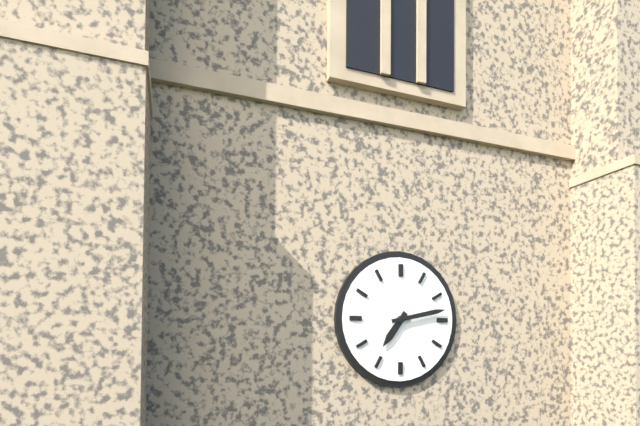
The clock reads 7.13
